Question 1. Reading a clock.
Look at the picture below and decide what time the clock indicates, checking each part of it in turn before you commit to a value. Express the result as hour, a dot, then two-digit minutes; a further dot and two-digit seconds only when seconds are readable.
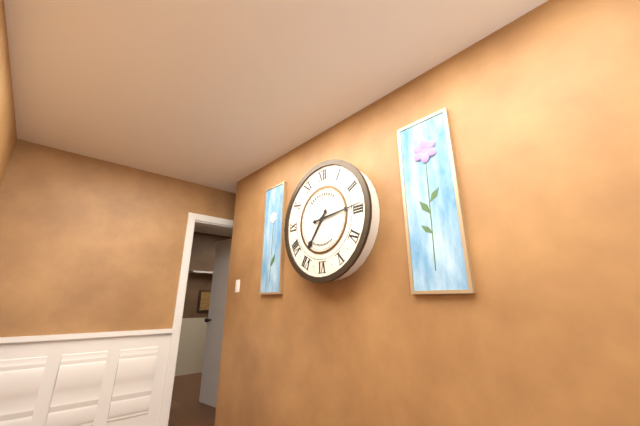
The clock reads 7.14
